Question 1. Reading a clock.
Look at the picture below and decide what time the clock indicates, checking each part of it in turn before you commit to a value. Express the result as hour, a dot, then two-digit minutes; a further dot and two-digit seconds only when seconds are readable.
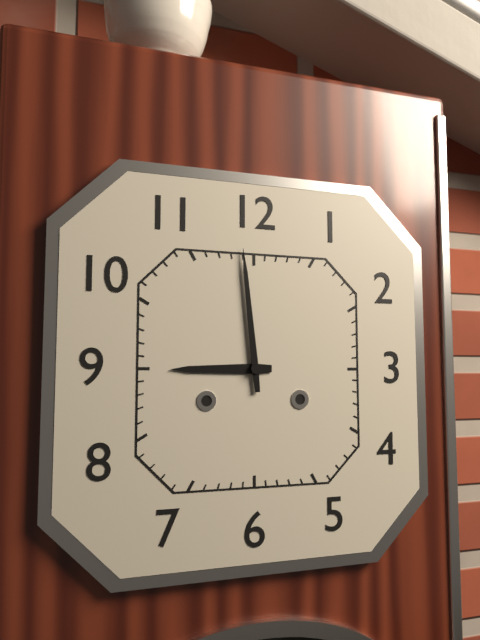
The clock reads 8.59
